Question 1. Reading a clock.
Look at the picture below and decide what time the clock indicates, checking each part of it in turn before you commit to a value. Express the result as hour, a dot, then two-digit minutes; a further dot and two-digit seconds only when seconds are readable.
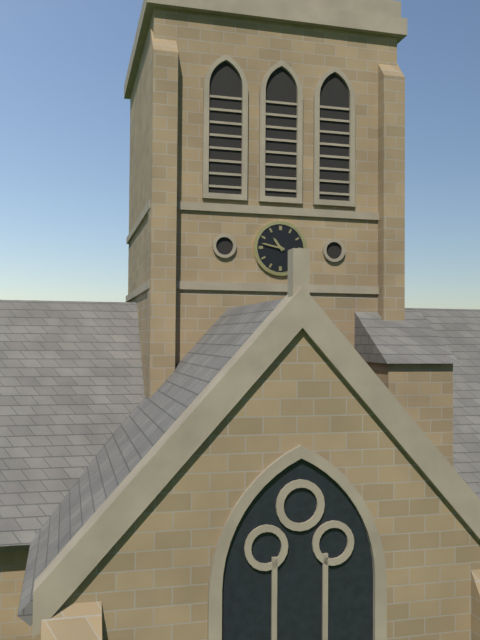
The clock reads 10.47
